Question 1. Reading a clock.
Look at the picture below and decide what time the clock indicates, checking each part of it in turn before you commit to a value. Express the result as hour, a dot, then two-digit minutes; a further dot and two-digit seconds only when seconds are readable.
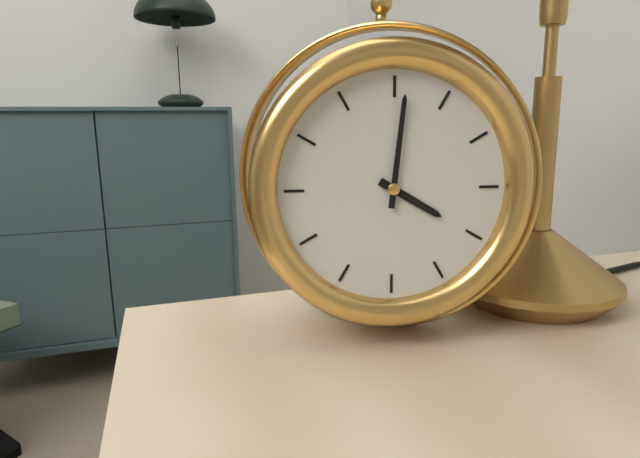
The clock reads 4.01
